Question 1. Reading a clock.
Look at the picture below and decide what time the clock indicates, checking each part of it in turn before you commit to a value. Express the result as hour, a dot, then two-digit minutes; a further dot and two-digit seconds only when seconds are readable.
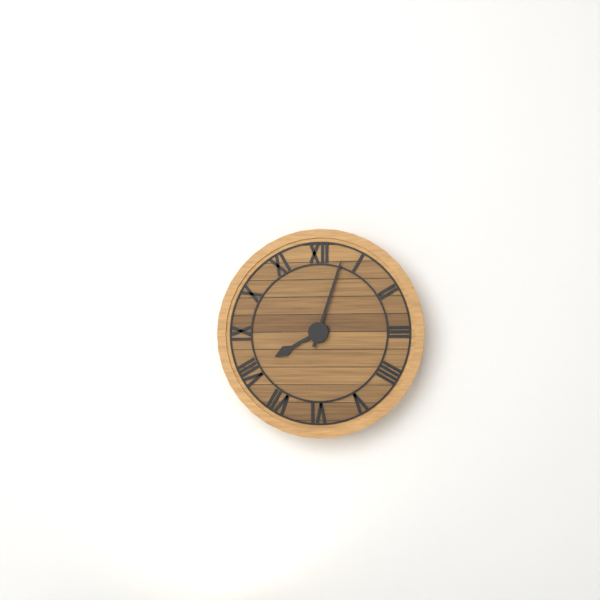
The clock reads 8.03
